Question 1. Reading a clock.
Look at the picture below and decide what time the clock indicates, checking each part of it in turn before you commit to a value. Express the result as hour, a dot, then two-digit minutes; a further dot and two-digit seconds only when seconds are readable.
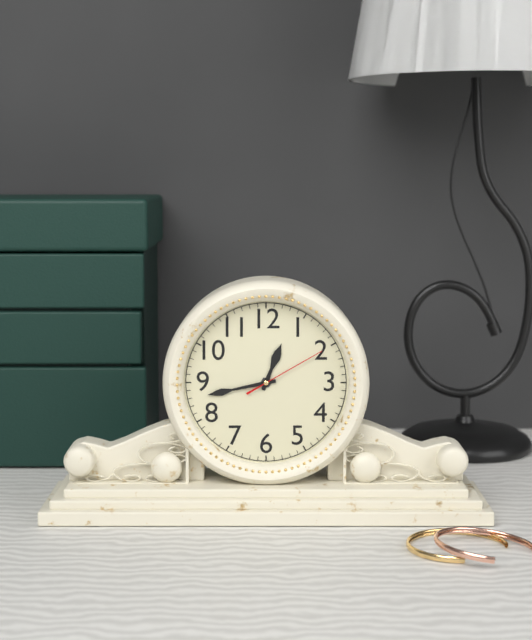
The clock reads 12.43.10
